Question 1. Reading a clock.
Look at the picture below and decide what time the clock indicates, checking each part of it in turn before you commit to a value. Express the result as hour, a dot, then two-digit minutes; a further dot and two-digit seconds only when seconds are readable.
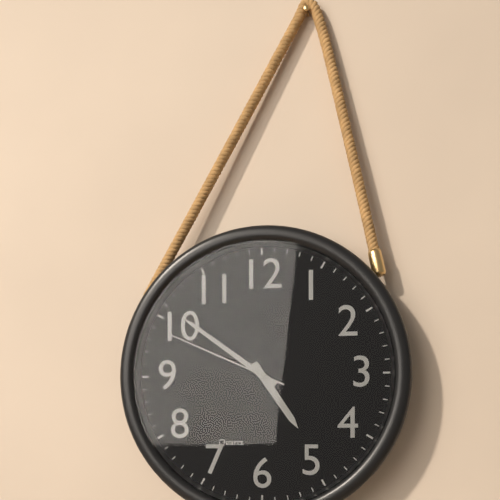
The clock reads 4.51.49
